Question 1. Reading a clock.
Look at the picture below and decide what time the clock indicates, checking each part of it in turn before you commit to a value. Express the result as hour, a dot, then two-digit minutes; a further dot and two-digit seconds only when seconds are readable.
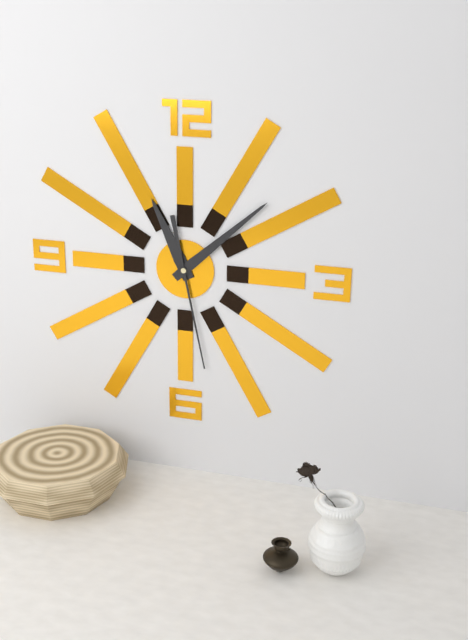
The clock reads 11.08.28
